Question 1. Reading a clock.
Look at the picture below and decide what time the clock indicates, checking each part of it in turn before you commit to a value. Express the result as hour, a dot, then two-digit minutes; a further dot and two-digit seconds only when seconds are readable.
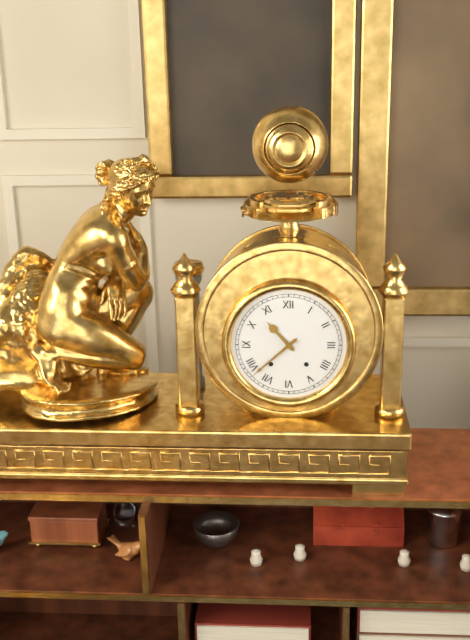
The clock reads 10.38
